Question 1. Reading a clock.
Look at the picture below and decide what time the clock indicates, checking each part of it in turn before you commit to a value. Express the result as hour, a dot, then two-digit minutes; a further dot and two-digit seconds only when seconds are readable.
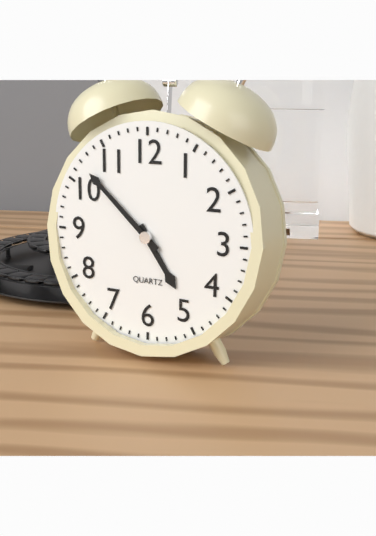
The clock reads 4.52
